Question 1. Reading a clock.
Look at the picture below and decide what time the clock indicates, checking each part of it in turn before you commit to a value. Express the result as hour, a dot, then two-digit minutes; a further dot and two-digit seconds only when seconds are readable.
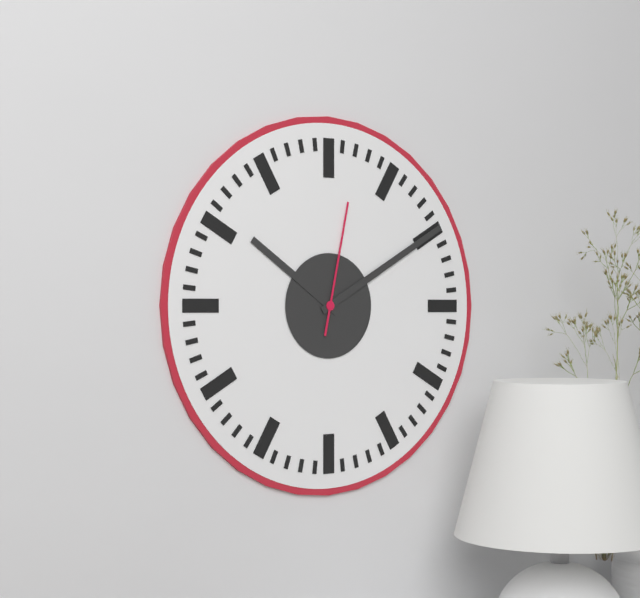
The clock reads 10.10.02
